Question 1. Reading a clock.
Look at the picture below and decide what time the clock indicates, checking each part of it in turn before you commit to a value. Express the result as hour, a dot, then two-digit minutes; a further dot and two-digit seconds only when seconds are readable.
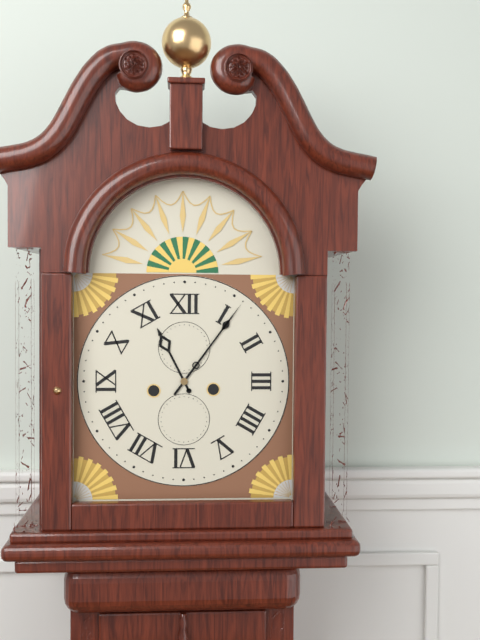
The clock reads 11.06
